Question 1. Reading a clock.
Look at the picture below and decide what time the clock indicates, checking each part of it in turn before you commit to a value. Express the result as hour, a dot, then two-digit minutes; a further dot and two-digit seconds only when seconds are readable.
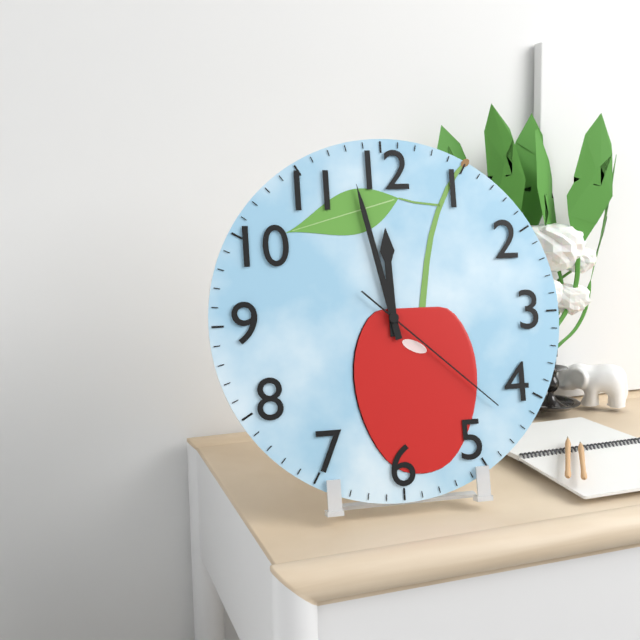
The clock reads 11.58.22
